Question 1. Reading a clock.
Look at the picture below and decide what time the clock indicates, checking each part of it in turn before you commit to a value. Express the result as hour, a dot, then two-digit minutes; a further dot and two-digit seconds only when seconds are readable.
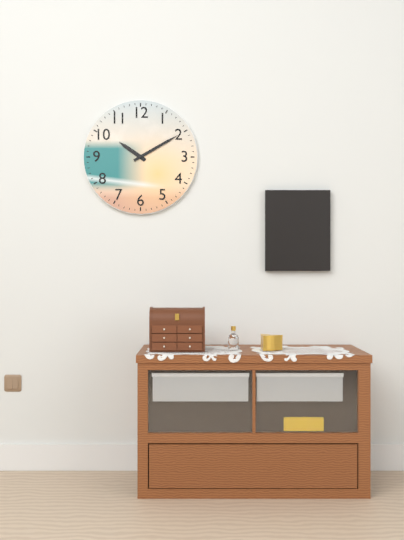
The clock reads 10.10
